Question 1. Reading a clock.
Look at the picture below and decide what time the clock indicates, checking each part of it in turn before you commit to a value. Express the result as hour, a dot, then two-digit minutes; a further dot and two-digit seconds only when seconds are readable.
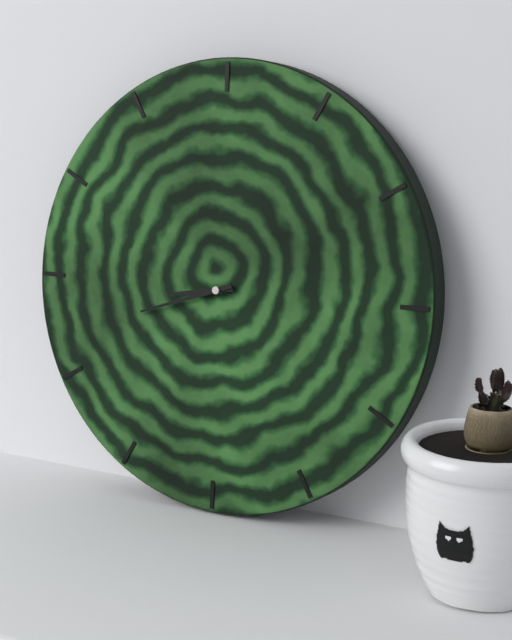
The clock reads 8.42
